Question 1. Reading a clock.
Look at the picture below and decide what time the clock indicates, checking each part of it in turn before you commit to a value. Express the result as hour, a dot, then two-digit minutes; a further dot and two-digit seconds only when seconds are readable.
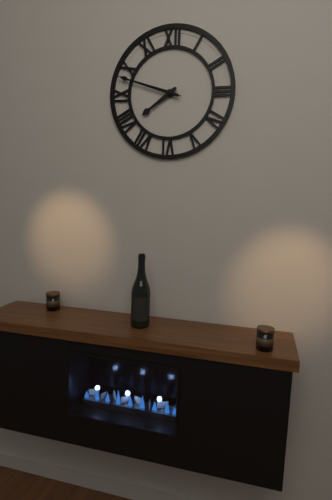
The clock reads 7.48.48
